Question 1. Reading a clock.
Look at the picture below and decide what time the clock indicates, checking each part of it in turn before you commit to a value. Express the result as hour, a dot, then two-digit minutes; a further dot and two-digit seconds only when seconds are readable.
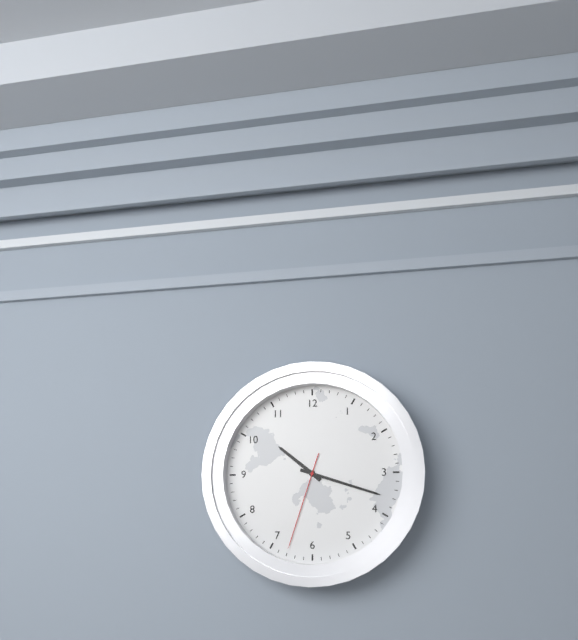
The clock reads 10.18.33
